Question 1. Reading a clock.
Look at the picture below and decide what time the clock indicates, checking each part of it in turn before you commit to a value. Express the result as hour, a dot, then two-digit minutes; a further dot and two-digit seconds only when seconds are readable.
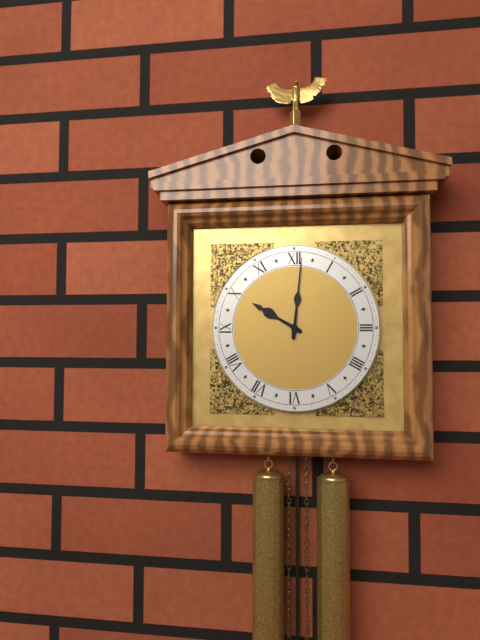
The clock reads 10.01
